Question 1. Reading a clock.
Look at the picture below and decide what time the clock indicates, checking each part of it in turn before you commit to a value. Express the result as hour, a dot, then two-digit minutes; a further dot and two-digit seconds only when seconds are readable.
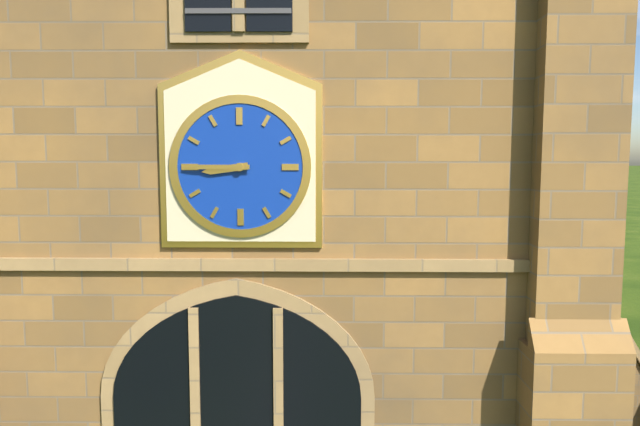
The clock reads 8.45
